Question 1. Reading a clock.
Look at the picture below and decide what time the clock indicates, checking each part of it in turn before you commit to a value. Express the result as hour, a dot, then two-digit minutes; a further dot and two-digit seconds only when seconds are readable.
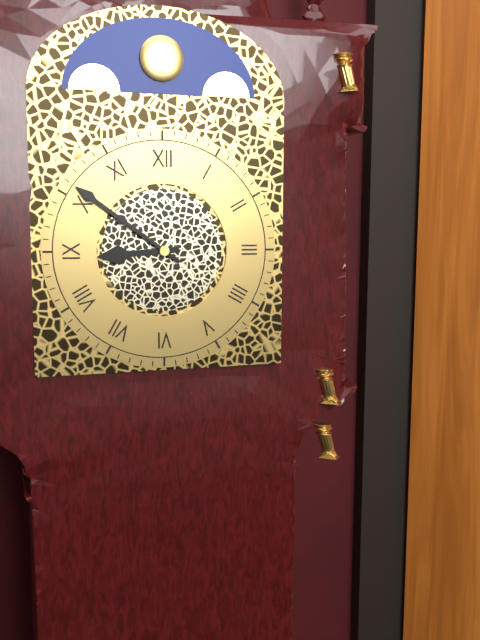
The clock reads 8.51
